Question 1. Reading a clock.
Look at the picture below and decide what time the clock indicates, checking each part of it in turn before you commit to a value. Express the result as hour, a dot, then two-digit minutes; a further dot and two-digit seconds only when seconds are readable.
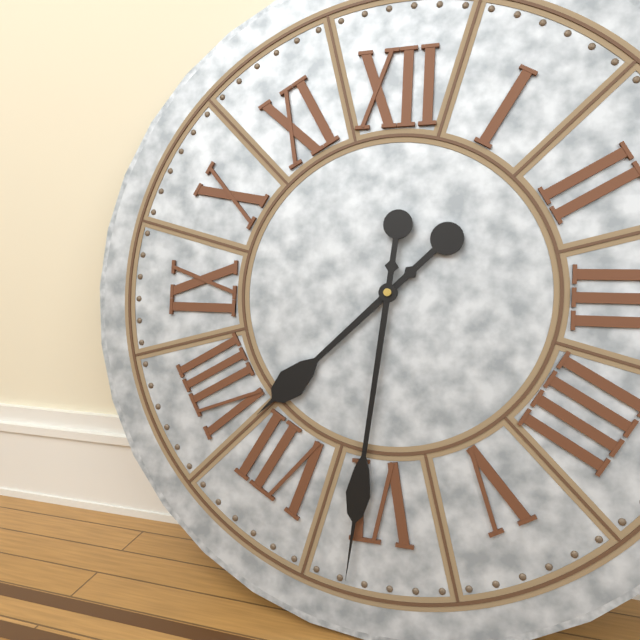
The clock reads 7.31
